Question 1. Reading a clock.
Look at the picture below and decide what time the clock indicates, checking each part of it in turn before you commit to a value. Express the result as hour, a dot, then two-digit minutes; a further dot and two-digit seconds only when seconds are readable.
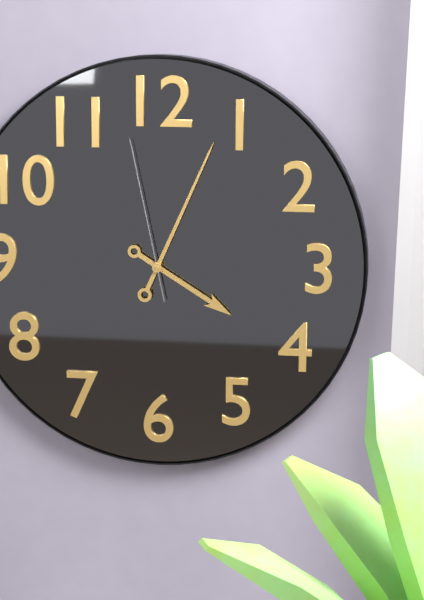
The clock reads 4.04.58
